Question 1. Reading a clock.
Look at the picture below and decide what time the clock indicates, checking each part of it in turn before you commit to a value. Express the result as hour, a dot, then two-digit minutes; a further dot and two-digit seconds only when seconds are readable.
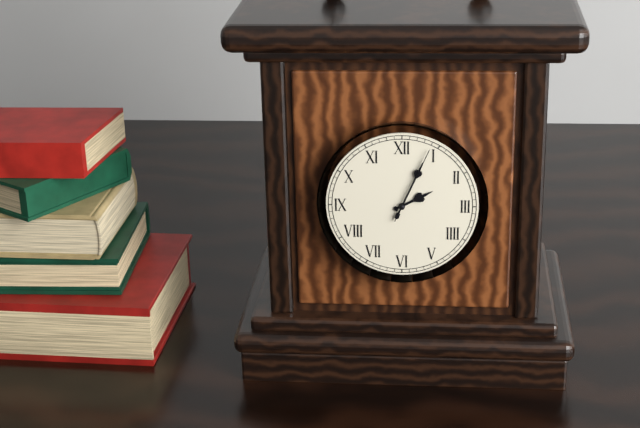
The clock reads 2.04.04
